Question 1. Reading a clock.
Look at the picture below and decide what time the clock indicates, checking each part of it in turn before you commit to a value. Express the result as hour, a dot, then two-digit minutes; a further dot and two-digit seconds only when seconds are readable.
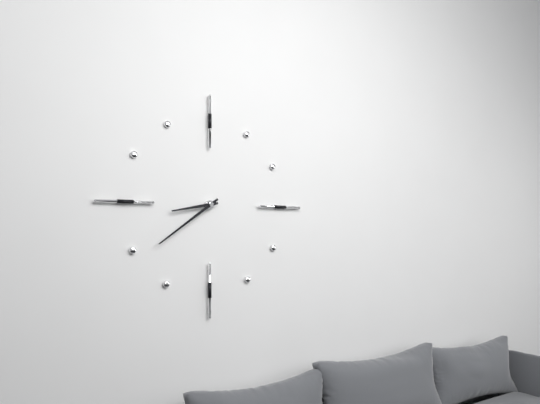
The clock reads 8.39
